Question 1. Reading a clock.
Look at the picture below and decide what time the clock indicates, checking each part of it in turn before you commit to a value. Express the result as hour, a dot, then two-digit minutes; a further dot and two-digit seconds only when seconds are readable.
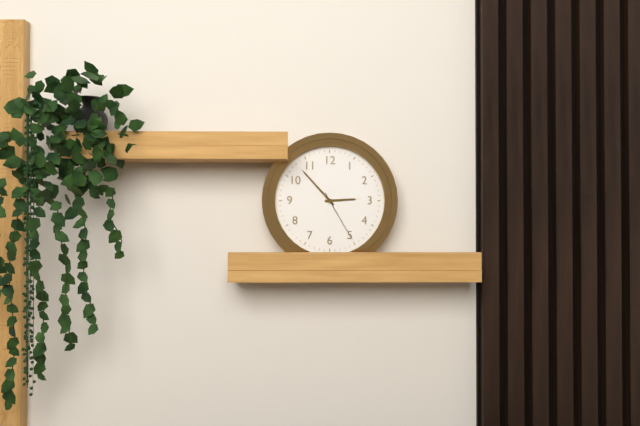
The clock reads 2.53.25
